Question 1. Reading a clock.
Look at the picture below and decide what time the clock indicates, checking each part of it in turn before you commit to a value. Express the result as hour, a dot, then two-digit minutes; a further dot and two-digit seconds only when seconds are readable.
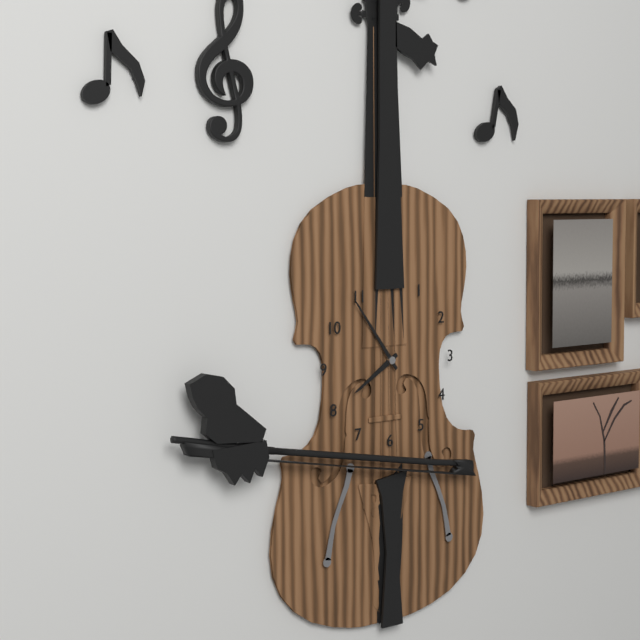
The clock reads 7.54
